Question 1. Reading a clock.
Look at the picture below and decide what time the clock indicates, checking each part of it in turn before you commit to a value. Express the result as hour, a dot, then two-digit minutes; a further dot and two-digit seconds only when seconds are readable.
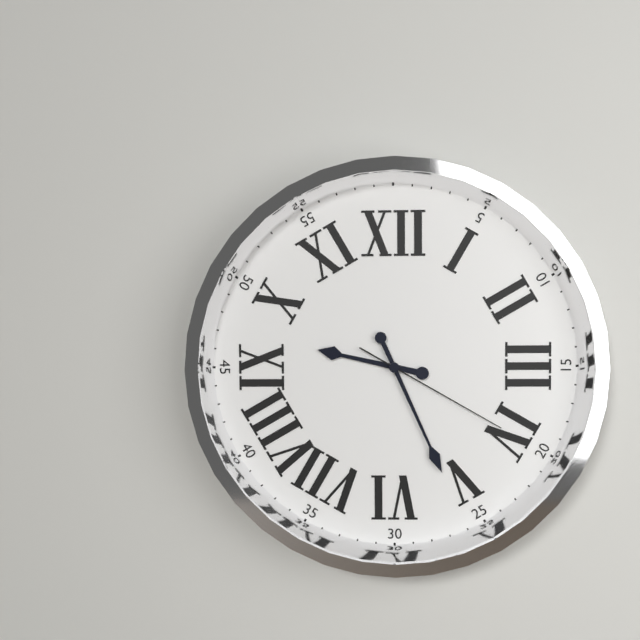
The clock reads 9.26.20
